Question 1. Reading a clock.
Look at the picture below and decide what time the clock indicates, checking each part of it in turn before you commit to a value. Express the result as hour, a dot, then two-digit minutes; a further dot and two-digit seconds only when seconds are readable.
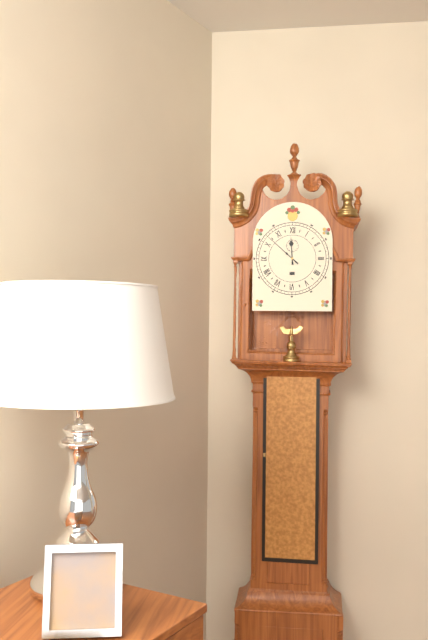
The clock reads 11.52
